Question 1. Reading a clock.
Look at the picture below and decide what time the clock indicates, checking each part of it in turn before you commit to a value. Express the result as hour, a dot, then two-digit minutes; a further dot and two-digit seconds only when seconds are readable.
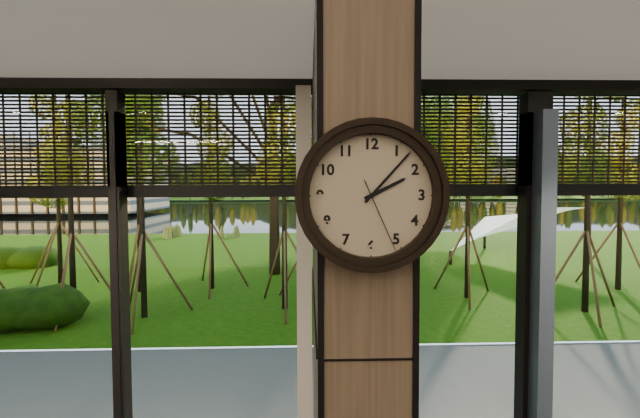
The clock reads 2.07.26
